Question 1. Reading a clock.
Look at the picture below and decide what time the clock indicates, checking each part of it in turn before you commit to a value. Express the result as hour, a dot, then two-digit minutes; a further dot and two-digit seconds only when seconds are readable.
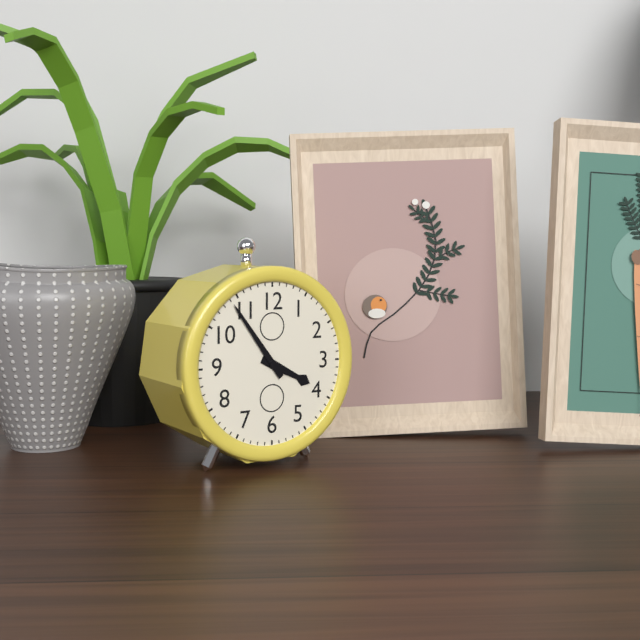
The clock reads 3.54
